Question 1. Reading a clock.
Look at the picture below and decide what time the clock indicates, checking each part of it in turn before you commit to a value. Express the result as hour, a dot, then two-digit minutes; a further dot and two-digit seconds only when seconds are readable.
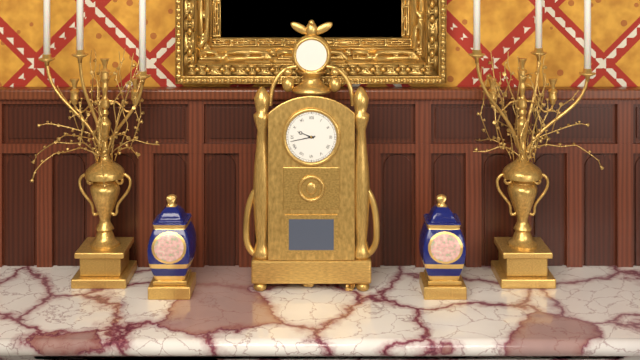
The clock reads 9.43
